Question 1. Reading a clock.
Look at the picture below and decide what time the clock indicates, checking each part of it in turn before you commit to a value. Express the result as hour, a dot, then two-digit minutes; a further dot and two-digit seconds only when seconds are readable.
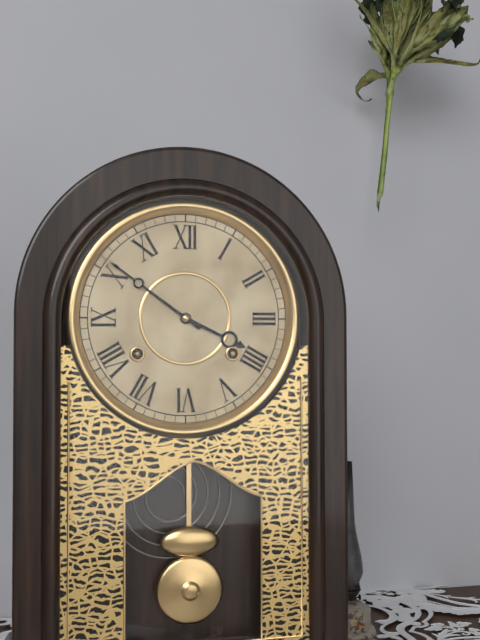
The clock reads 3.51
